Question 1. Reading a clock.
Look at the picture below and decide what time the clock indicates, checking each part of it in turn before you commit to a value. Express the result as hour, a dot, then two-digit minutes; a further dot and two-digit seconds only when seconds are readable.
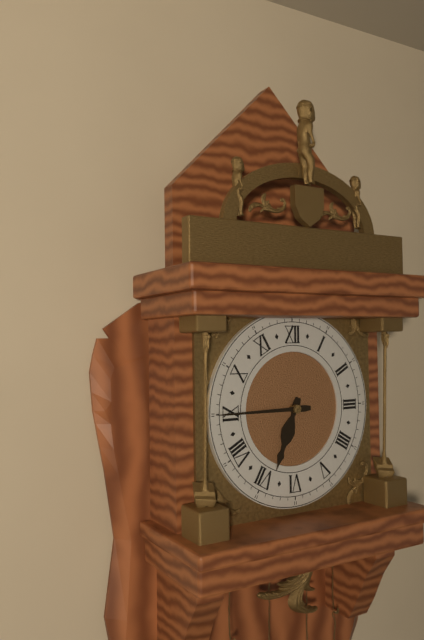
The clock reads 6.45
